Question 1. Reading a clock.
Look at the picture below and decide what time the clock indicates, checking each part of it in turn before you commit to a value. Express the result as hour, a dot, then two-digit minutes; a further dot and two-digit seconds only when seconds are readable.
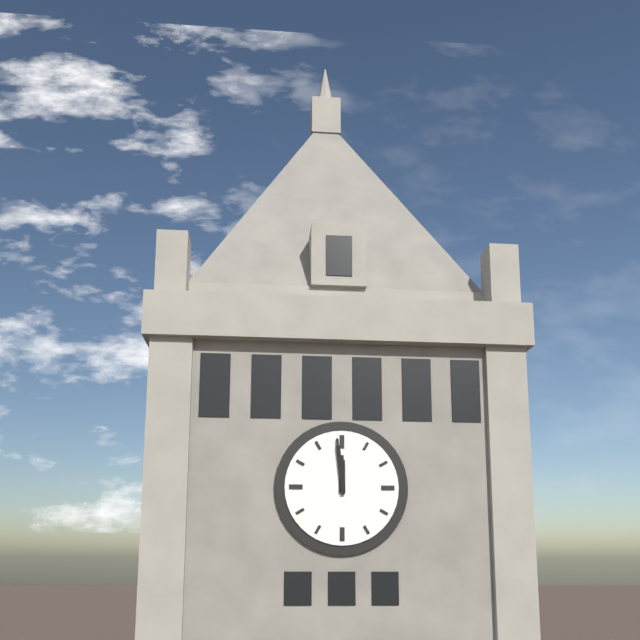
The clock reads 11.59
